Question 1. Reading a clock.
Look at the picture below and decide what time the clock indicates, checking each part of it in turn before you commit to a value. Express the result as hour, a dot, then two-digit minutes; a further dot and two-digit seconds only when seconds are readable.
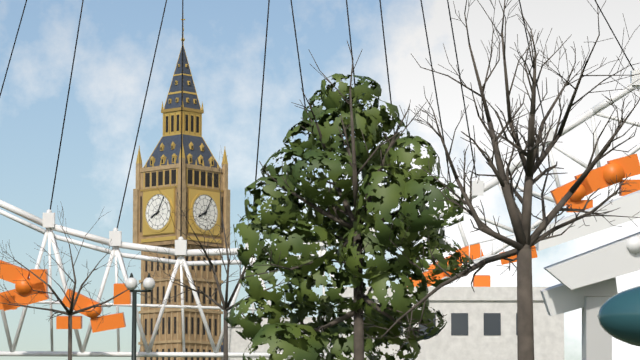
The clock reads 8.05
